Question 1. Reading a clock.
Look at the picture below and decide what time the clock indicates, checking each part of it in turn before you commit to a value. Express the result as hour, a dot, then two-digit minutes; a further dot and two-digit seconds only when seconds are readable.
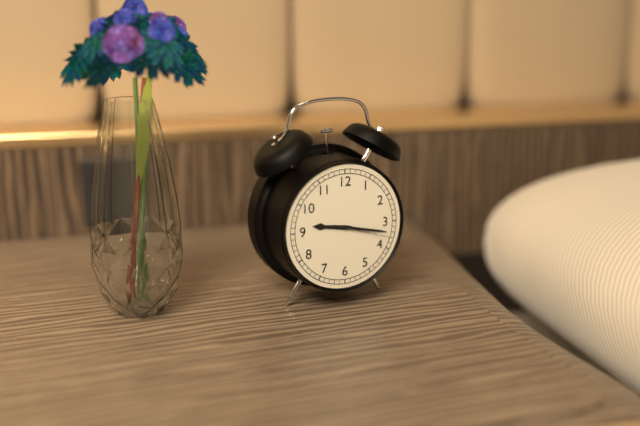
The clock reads 9.17.18
